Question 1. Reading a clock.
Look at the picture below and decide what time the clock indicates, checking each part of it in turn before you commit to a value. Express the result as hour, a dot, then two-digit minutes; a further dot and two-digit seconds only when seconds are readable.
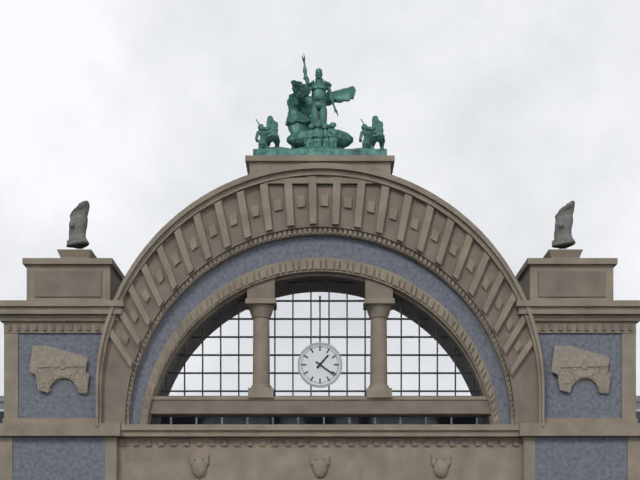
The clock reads 1.21
